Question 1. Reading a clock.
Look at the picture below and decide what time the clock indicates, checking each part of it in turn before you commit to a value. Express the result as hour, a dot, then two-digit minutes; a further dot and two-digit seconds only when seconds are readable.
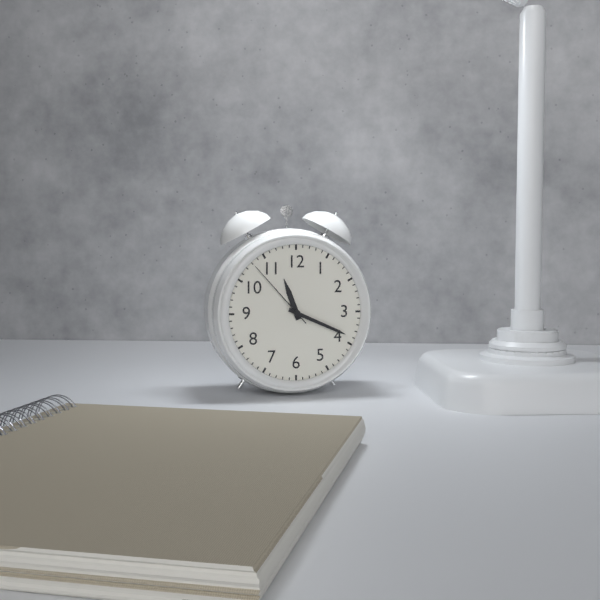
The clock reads 11.19.53
